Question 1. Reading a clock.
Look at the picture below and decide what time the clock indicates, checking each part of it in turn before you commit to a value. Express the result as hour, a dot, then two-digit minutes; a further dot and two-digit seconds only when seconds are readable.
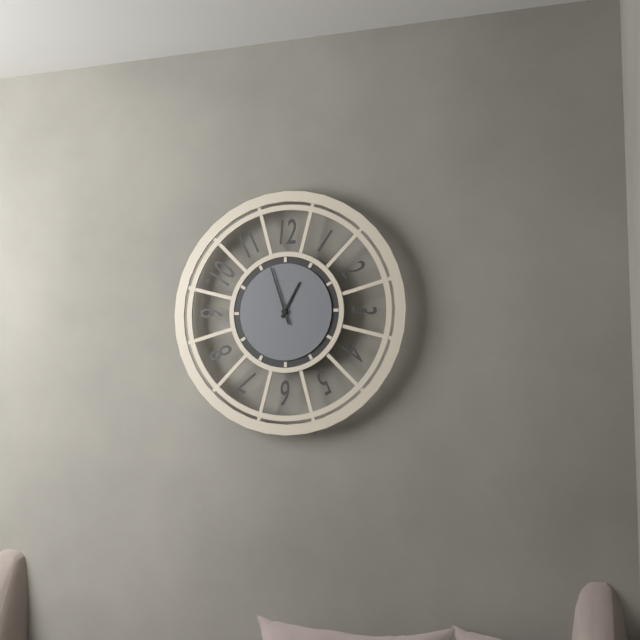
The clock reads 12.57
